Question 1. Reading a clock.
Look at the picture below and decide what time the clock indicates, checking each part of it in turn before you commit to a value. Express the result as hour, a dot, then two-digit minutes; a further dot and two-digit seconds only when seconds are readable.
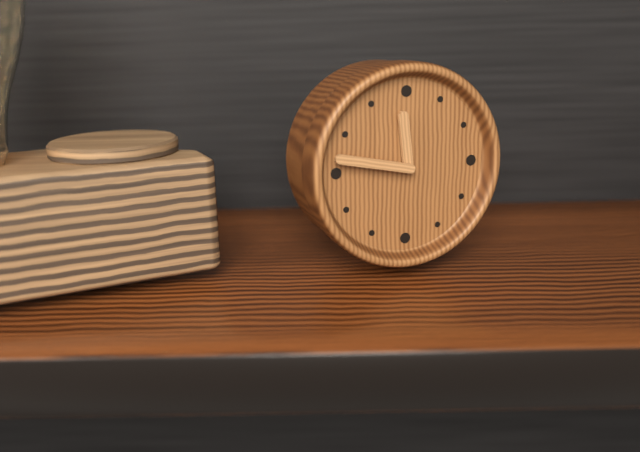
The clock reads 11.47
